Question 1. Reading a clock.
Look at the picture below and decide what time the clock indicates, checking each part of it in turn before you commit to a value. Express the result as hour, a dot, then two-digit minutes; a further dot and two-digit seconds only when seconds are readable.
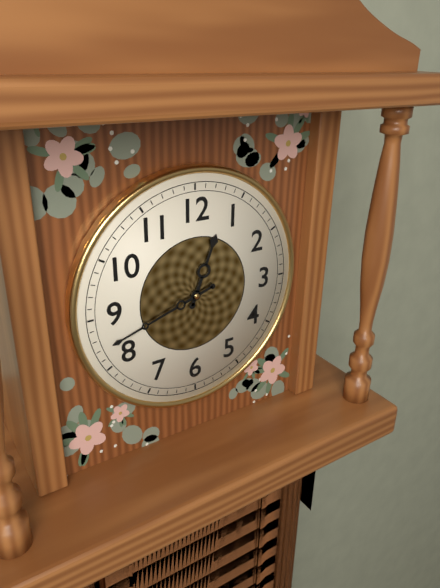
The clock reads 12.42
